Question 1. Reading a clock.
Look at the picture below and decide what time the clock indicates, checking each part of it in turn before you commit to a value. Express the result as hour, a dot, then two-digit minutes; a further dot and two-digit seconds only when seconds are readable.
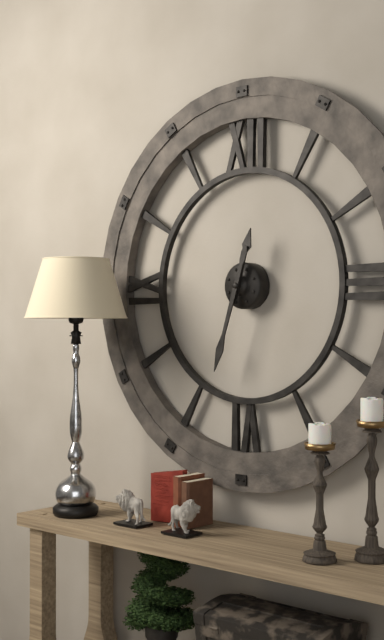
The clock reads 12.33
